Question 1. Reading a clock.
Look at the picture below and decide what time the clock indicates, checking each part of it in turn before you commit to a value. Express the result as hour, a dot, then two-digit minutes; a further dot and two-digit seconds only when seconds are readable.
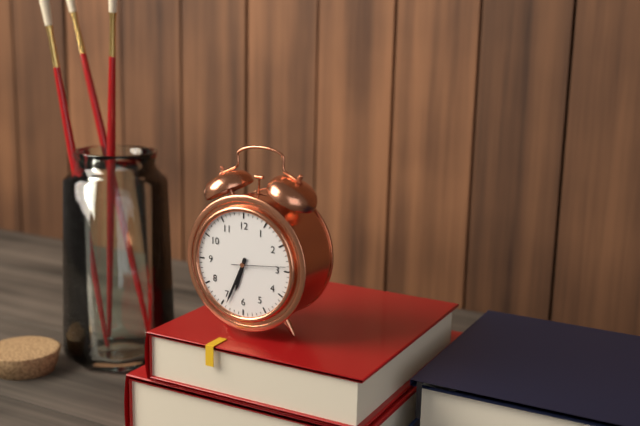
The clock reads 6.34.14
